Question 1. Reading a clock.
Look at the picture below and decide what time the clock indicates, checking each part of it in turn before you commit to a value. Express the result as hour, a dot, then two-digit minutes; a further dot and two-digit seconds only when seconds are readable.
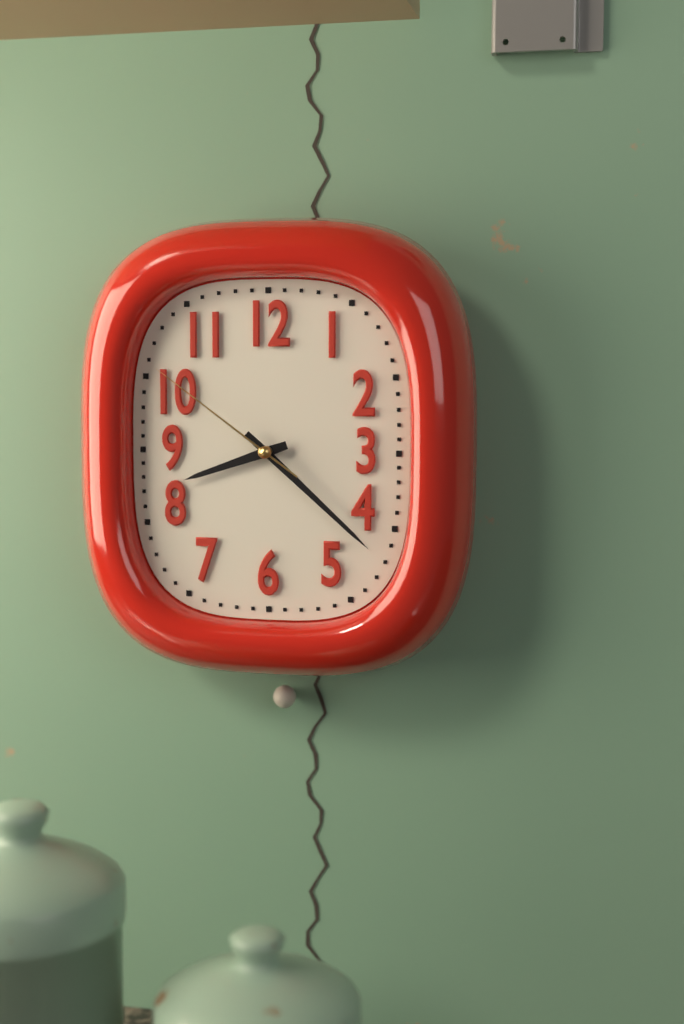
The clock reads 8.22.51
